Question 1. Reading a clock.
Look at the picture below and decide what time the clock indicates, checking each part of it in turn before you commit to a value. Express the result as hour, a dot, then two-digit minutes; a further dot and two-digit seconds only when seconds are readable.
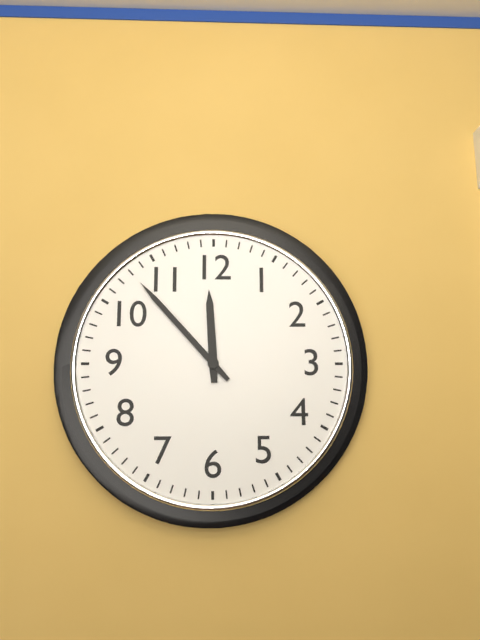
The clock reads 11.53
